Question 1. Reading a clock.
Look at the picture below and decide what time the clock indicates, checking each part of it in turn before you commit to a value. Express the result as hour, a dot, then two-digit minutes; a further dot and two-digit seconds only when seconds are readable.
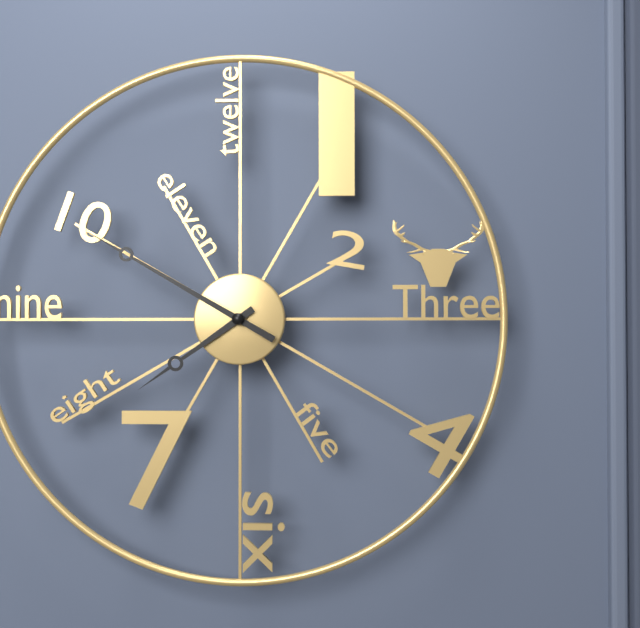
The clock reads 7.50
